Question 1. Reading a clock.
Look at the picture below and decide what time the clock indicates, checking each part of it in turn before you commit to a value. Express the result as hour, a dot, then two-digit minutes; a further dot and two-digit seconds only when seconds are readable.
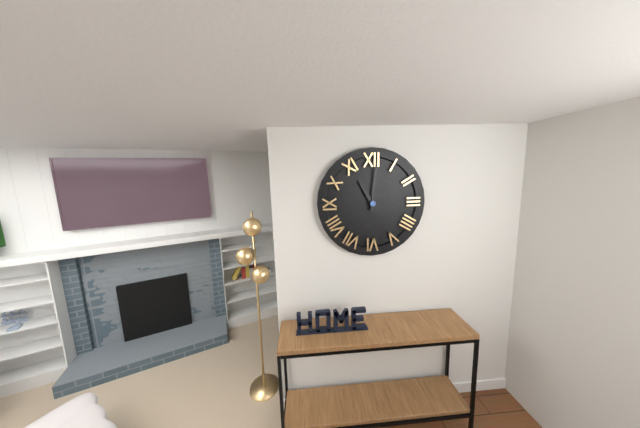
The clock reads 11.01
